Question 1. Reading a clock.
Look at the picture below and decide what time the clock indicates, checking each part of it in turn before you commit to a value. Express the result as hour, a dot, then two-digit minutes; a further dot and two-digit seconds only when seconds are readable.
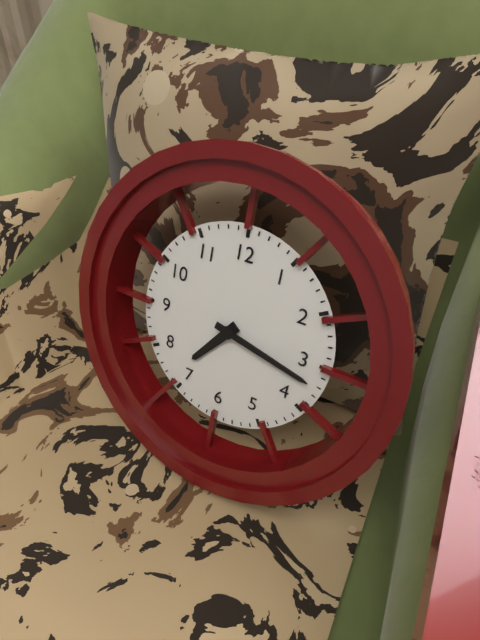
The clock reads 7.17
